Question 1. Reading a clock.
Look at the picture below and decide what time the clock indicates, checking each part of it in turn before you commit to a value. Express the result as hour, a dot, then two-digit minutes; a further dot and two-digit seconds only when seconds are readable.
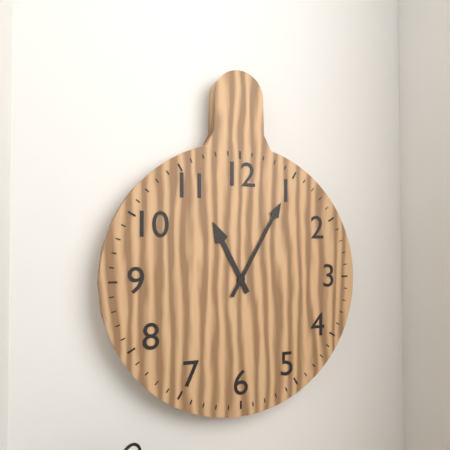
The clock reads 11.05
